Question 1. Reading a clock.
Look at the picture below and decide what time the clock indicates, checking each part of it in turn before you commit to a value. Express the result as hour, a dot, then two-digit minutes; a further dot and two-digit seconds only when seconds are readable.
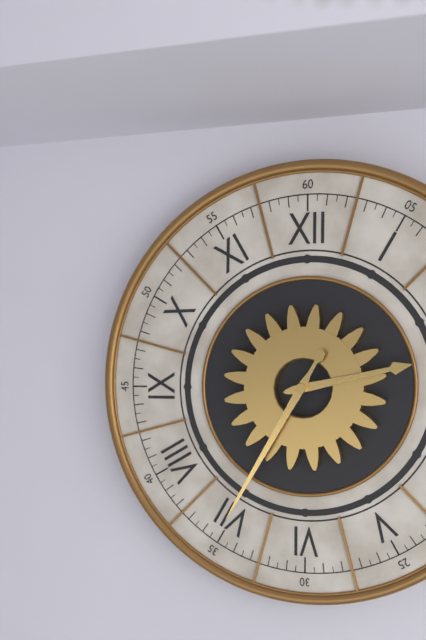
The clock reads 2.35
